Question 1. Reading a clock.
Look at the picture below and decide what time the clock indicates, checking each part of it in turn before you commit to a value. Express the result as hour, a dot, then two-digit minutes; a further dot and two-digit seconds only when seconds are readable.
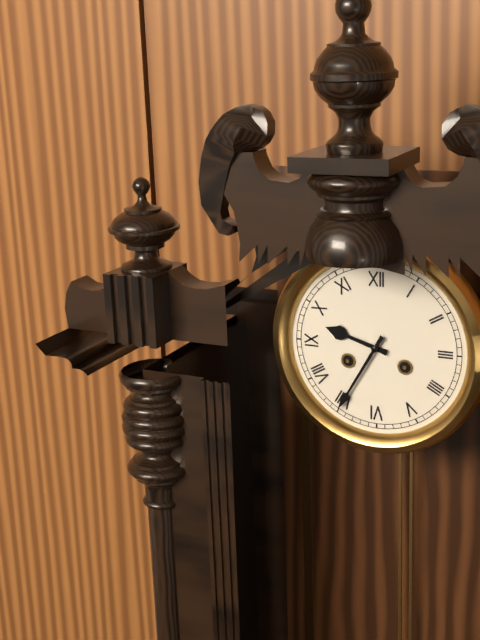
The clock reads 9.35
